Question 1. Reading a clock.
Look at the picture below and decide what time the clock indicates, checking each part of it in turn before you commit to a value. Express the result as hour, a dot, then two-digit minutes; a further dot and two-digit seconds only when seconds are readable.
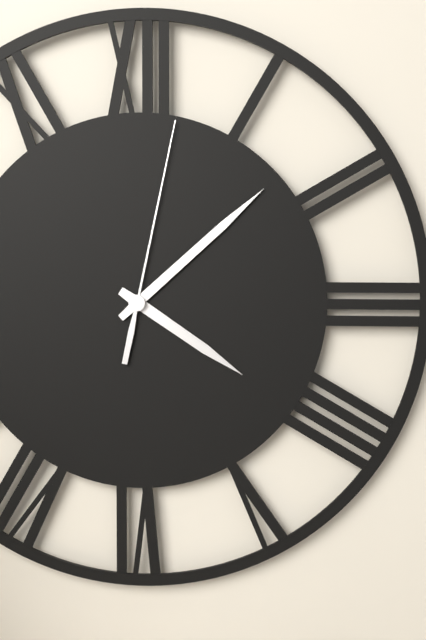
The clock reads 4.08.02
